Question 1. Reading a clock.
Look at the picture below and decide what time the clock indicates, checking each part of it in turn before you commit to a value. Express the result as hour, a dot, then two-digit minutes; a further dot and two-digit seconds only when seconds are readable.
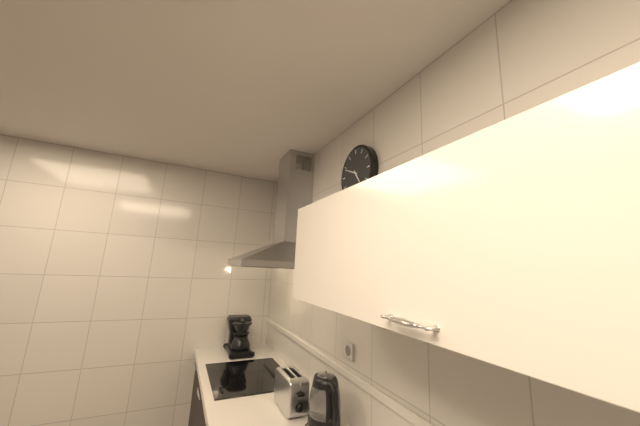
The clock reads 4.49
